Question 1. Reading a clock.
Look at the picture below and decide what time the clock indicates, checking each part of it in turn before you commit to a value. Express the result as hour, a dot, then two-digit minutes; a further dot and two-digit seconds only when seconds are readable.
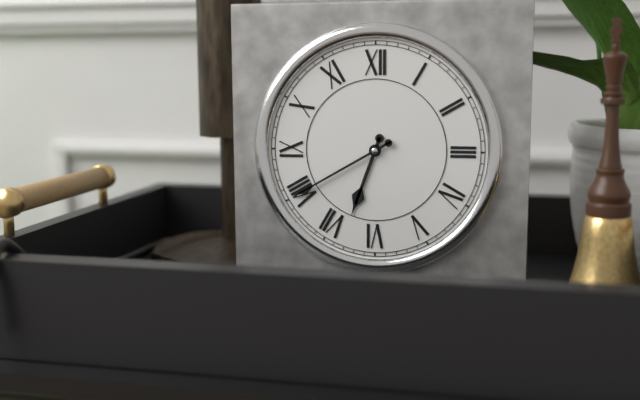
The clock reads 6.40
